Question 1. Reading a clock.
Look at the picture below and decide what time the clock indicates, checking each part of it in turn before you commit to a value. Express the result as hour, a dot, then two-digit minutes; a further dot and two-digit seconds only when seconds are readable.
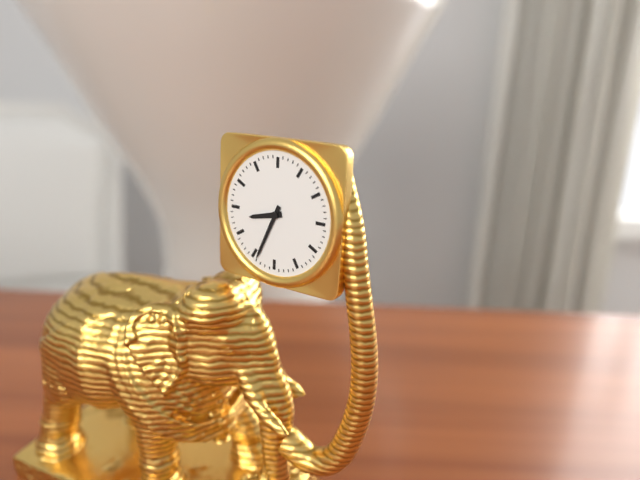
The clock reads 8.34
